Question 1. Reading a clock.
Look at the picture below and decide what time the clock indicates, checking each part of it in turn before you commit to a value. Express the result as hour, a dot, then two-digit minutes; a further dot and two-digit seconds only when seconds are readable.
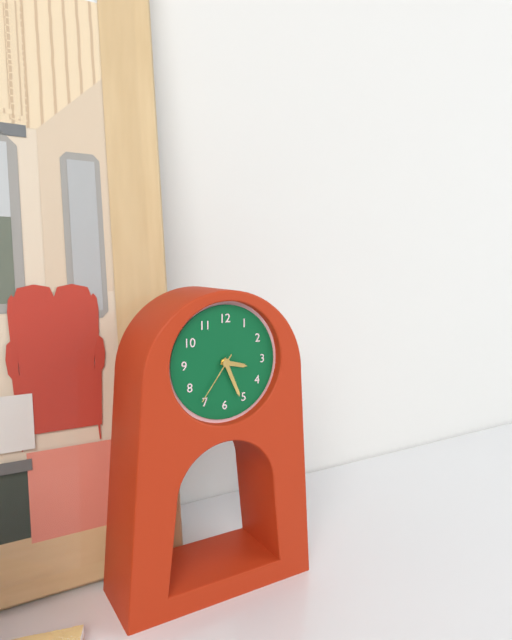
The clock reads 3.26.36
